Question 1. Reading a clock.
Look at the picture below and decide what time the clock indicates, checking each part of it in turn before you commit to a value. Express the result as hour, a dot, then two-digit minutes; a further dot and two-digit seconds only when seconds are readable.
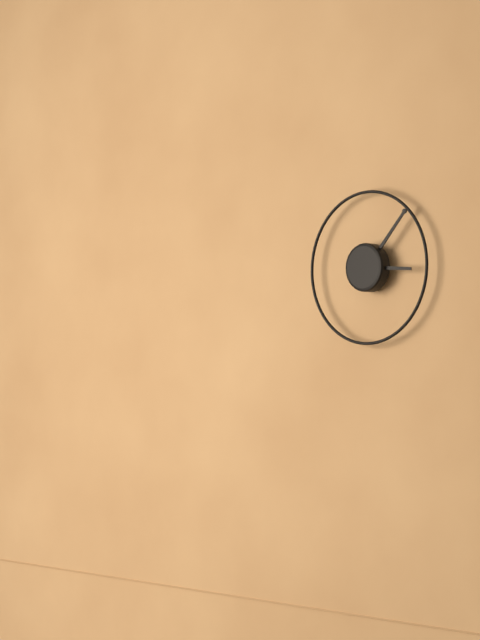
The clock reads 3.07
